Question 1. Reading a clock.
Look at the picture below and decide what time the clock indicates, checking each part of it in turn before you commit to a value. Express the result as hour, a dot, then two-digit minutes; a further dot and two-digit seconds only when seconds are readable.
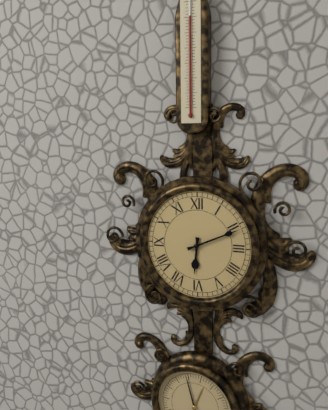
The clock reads 6.11
